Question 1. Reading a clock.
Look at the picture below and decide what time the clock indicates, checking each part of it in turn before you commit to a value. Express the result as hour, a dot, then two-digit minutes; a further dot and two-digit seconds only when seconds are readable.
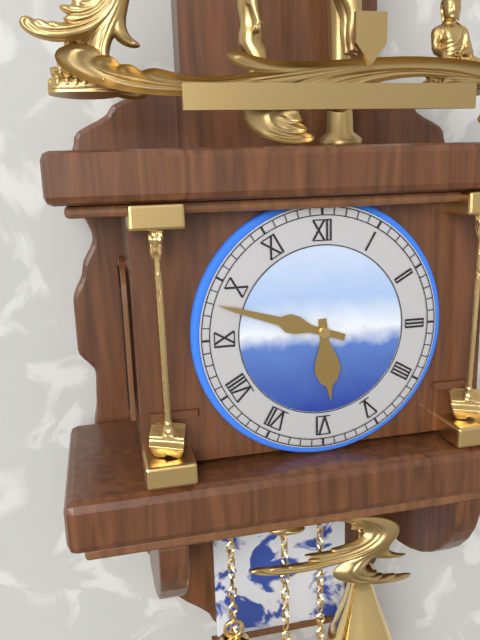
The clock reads 5.48
